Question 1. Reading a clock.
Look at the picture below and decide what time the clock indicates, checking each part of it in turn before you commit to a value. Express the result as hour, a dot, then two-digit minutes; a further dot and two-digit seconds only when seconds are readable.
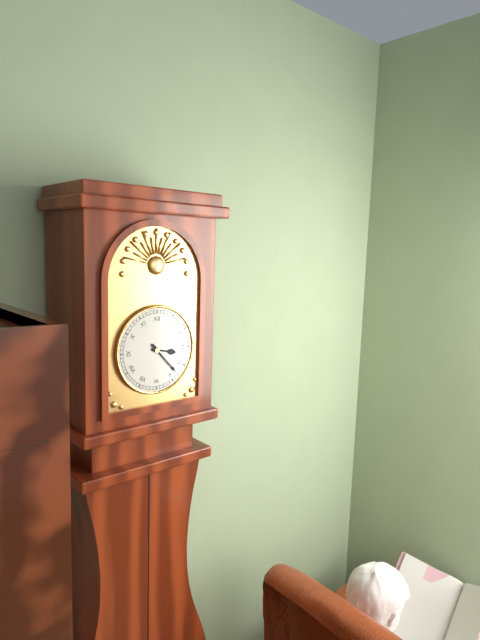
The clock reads 3.23
